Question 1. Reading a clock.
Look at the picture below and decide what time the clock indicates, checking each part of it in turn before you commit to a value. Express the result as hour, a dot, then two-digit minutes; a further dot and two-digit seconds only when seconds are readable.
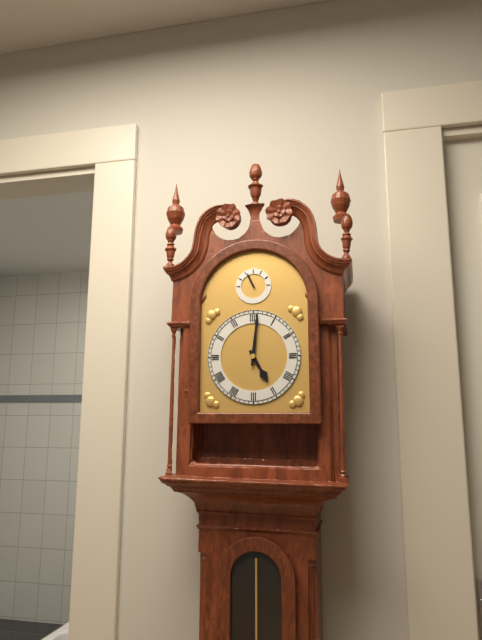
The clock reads 5.01
